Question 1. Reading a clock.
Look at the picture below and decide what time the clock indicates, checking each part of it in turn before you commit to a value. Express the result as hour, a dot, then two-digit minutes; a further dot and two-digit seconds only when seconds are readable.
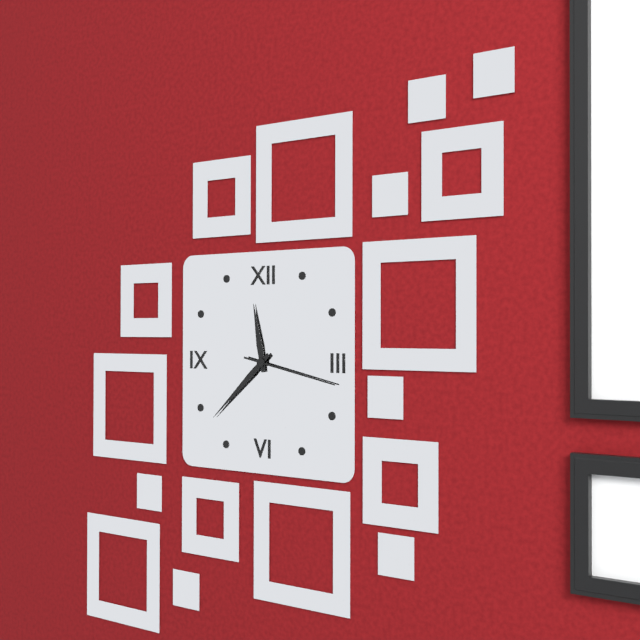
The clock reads 11.38.17
